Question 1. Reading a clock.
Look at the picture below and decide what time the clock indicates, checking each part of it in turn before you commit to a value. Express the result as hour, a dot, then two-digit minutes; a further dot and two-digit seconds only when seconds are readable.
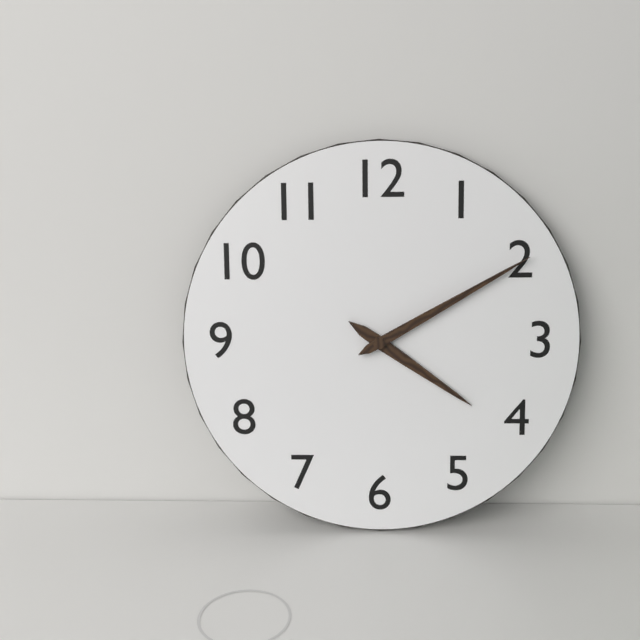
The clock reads 4.10
